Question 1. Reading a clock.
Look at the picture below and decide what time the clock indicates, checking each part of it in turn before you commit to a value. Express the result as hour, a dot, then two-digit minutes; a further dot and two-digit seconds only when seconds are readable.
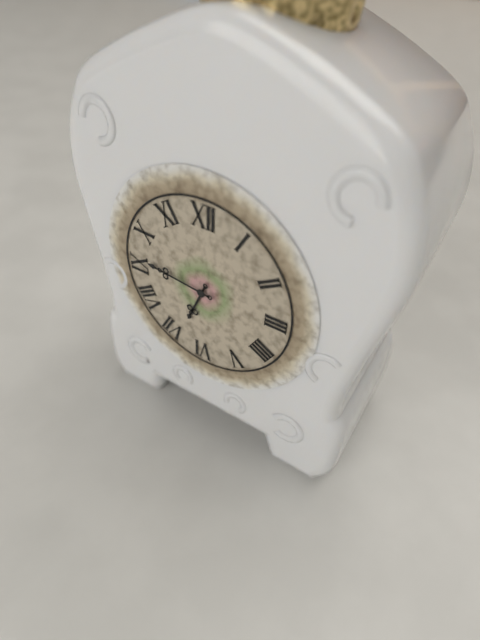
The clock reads 6.46
